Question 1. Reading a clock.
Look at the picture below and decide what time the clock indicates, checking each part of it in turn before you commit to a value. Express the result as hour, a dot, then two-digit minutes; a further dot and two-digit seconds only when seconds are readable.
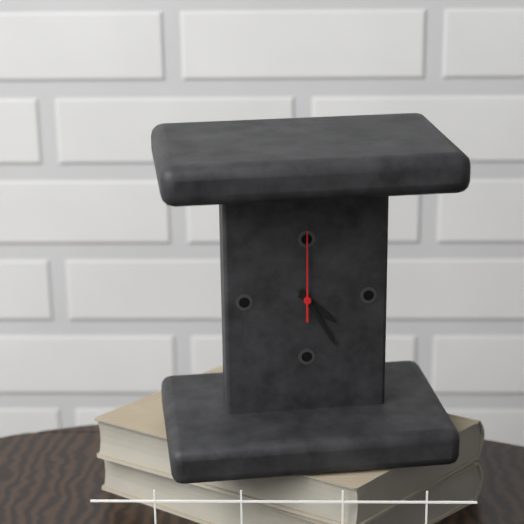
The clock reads 4.25.00
